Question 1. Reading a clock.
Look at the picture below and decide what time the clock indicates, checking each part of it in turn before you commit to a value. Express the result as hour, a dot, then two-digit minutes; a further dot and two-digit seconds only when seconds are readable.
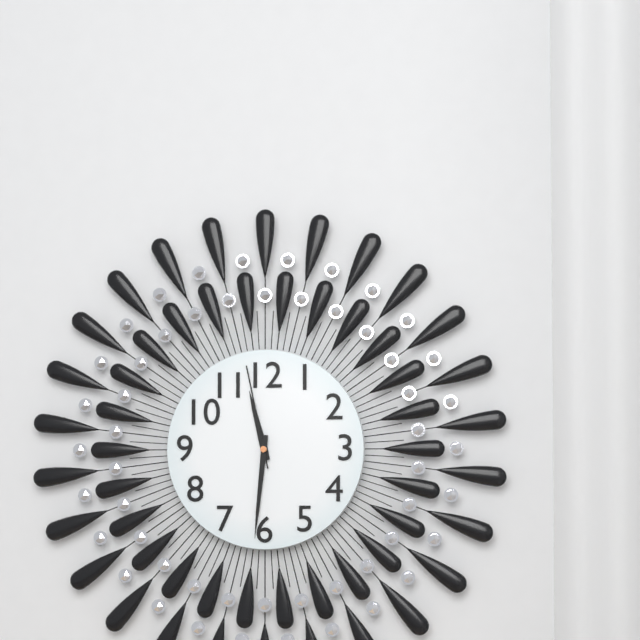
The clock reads 11.31.58
